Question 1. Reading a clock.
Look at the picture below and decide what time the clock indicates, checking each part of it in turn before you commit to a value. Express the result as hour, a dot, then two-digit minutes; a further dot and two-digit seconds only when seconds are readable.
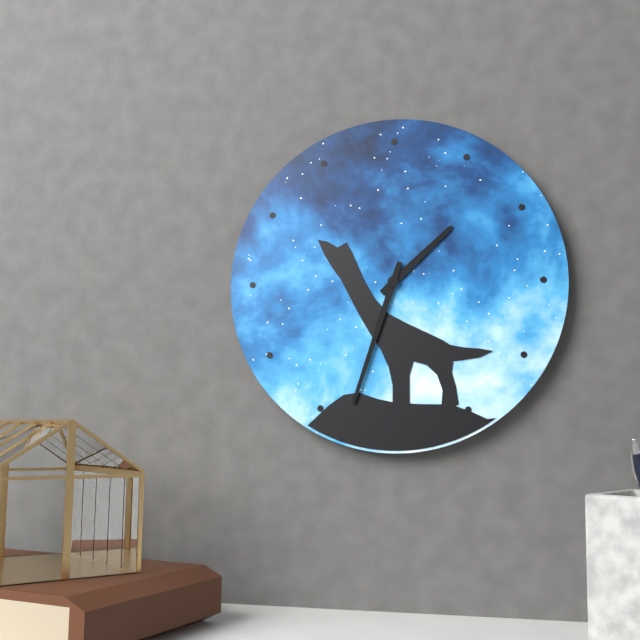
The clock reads 1.33
